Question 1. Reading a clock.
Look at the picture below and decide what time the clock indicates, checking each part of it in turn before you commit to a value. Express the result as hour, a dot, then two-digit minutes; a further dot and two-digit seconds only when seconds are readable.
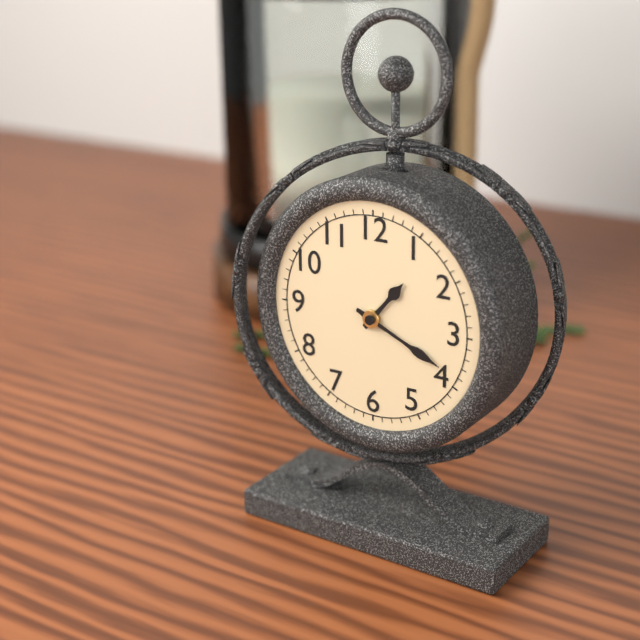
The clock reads 1.19
